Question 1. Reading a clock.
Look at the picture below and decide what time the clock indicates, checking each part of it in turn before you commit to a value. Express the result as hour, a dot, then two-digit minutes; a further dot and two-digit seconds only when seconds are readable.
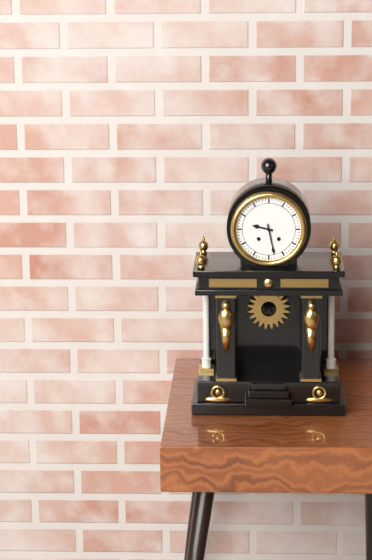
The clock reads 9.28
